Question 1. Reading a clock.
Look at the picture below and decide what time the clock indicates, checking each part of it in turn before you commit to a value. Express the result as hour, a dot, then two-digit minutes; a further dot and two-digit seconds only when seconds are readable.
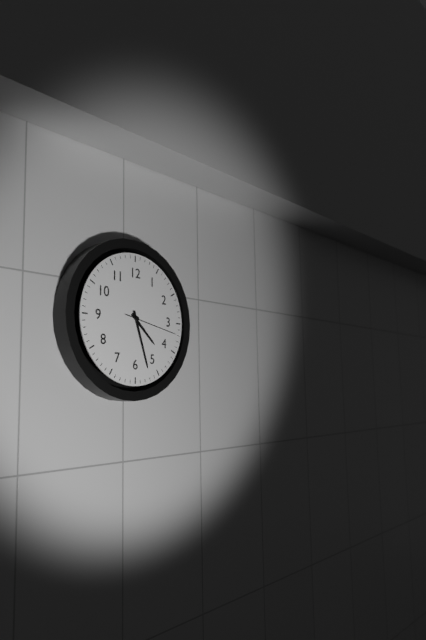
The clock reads 4.27.17
